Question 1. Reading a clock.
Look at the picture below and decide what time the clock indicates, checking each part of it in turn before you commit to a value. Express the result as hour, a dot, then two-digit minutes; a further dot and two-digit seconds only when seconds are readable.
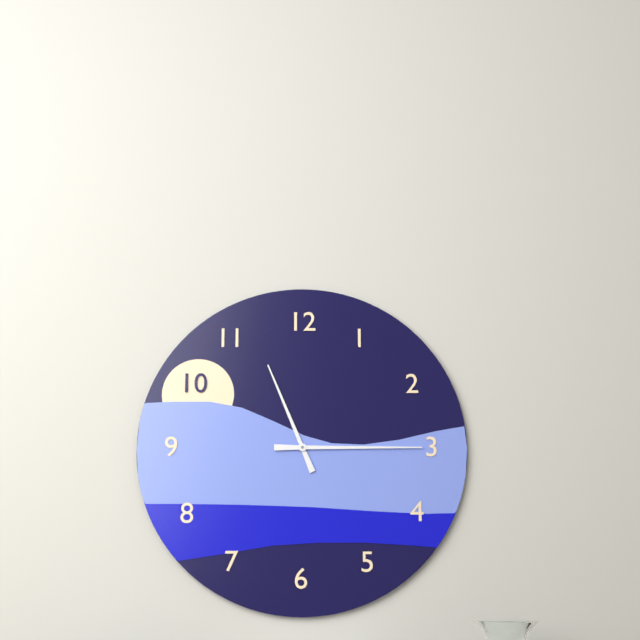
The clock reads 11.15
